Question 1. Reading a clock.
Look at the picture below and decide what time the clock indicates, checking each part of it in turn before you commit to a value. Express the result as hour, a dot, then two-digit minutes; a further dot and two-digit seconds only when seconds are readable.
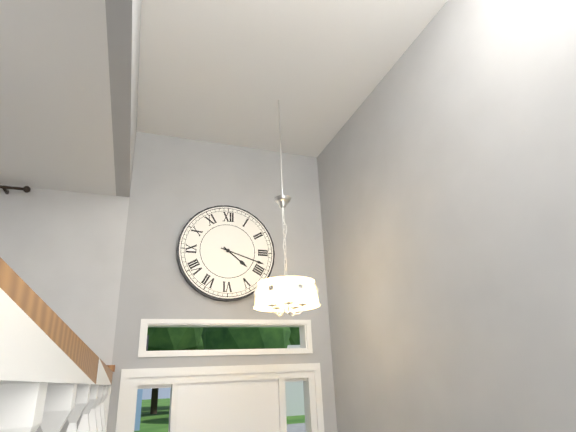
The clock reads 4.18
